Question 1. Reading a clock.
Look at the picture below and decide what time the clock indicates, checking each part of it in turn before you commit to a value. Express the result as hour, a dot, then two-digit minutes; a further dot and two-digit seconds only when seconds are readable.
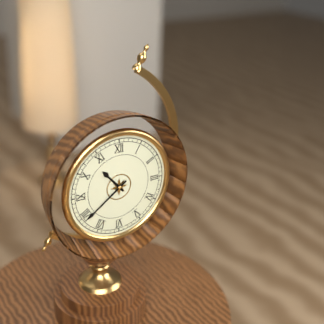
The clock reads 10.39
